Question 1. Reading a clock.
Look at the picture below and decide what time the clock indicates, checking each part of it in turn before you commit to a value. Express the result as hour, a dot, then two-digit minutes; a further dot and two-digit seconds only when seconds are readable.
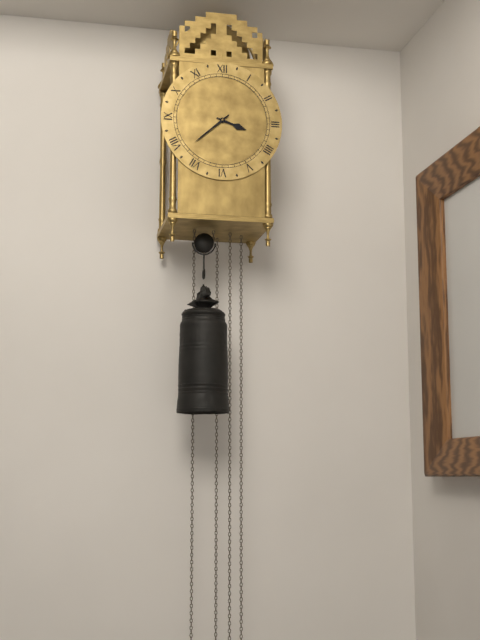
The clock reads 3.38
